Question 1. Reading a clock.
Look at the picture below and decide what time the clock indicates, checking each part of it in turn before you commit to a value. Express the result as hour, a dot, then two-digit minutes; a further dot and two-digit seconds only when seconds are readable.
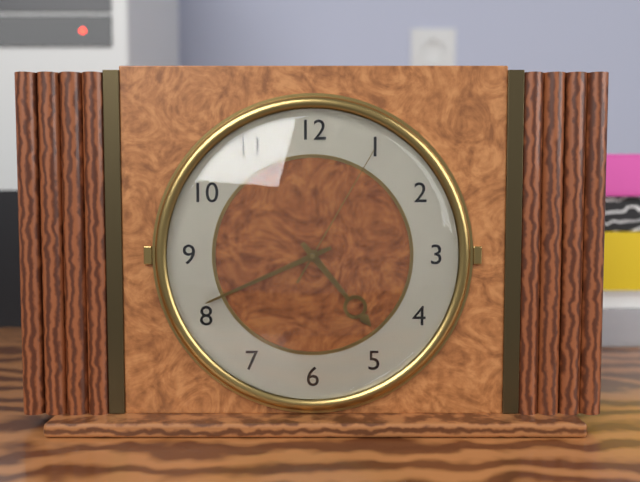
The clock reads 4.41.05
